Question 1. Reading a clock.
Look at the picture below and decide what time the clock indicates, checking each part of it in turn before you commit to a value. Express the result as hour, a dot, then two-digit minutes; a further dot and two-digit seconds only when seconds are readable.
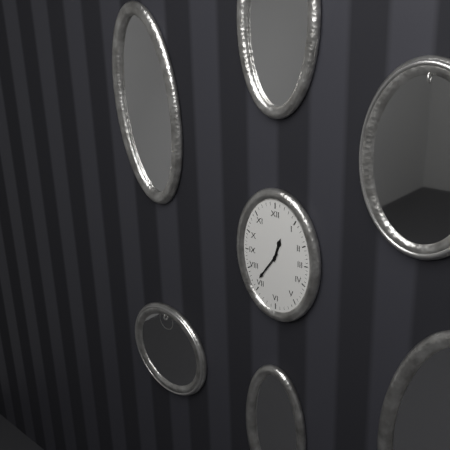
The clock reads 12.36
